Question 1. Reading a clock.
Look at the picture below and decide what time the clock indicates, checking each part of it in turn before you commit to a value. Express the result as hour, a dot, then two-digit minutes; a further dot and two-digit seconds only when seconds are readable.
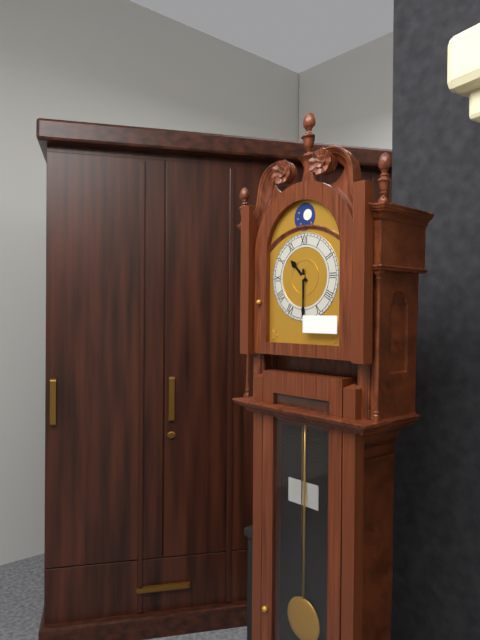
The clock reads 10.30
